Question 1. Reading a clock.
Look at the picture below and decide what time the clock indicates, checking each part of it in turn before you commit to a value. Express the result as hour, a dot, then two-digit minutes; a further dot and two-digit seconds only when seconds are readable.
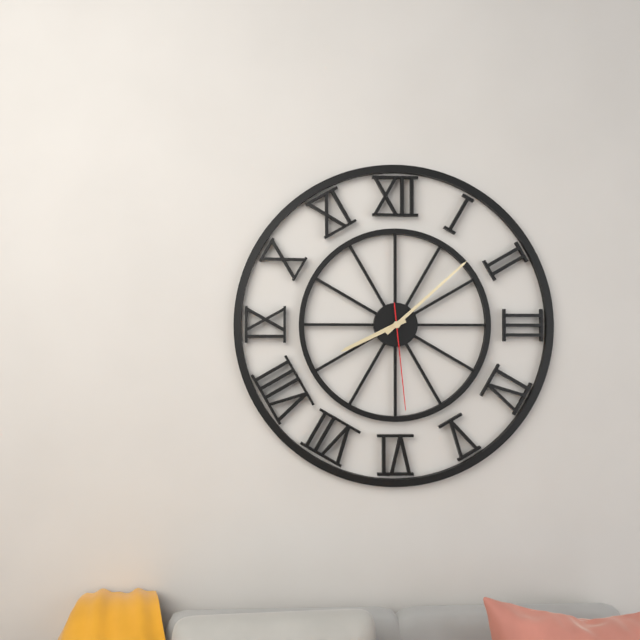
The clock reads 8.08.29
